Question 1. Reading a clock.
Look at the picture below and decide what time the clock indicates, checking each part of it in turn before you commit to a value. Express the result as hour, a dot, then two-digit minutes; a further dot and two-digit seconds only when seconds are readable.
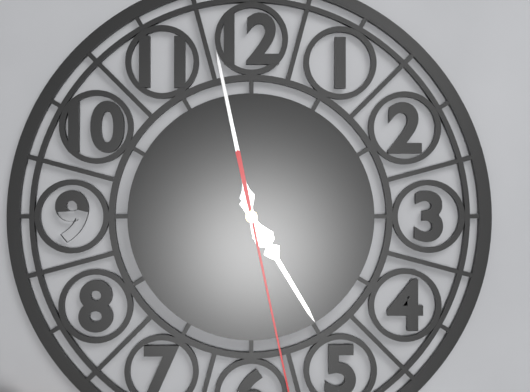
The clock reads 4.58
